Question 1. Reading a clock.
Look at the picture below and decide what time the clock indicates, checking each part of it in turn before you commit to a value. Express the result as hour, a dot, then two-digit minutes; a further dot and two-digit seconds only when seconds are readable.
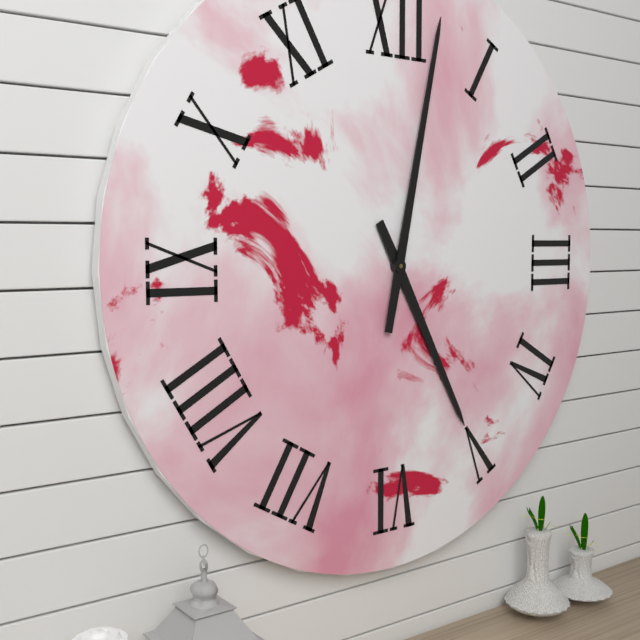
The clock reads 5.02
